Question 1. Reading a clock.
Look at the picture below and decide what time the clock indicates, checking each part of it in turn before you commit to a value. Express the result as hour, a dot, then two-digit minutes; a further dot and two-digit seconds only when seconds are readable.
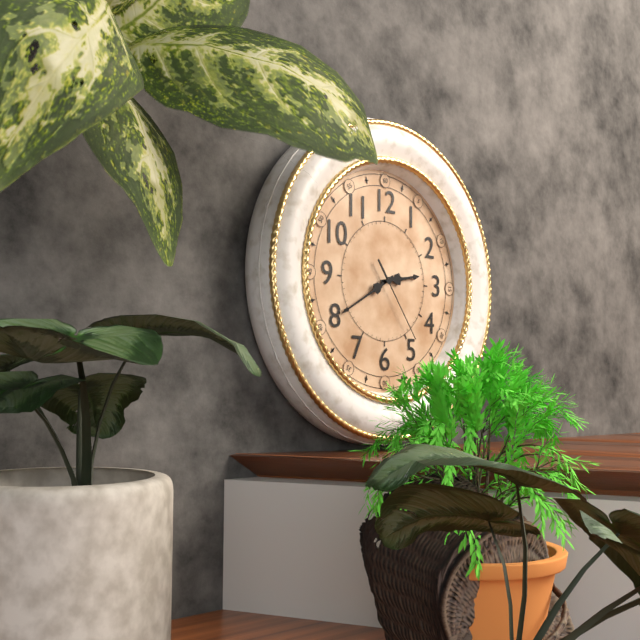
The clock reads 2.40.24
